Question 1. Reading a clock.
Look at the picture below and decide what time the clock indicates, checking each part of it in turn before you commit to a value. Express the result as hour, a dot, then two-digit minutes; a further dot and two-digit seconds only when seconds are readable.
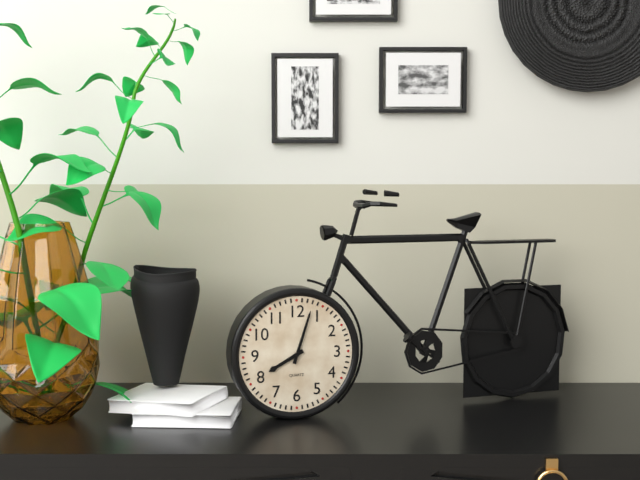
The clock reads 8.03
